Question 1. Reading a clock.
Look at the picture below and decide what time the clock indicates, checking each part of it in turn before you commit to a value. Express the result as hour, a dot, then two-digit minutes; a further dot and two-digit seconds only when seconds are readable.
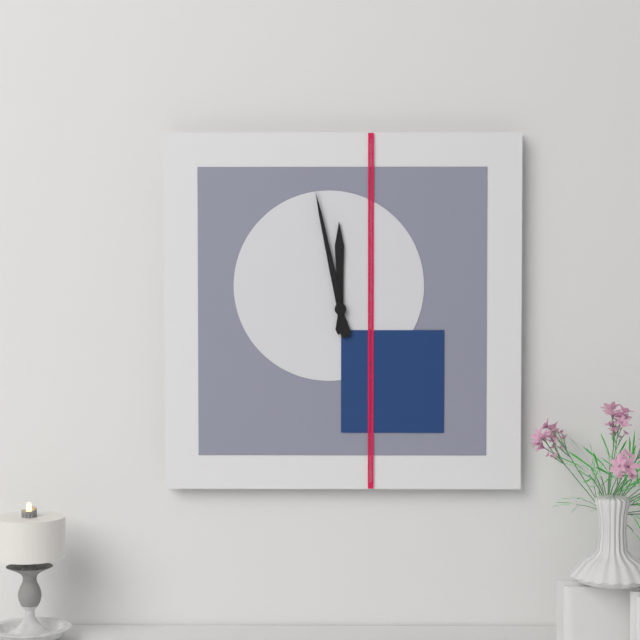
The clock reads 11.58
